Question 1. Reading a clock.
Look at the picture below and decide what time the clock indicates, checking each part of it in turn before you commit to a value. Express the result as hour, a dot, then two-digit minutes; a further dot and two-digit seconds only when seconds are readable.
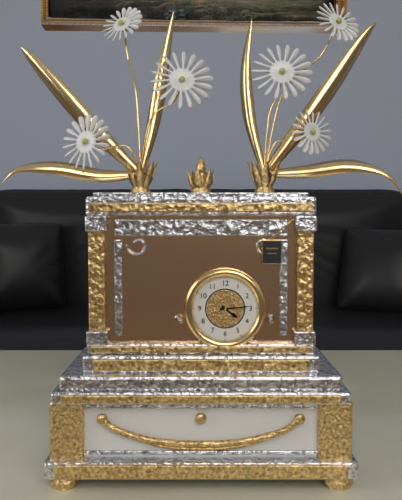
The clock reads 4.14
